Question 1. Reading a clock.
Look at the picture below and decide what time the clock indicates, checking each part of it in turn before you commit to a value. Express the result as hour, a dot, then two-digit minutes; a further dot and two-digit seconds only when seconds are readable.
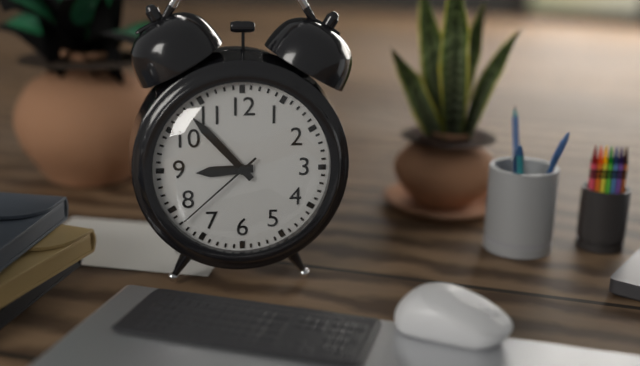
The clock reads 8.53.38
